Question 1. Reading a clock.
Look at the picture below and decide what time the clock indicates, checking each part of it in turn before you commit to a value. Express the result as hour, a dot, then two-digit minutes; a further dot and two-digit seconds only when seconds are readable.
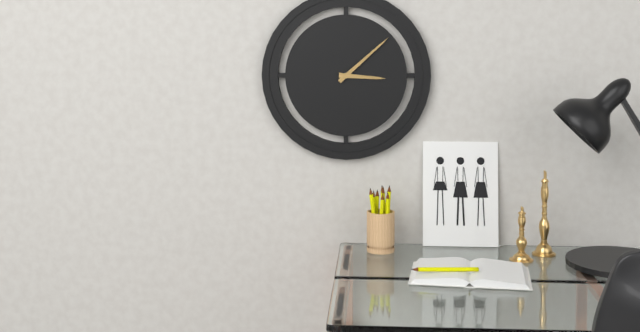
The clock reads 3.08
